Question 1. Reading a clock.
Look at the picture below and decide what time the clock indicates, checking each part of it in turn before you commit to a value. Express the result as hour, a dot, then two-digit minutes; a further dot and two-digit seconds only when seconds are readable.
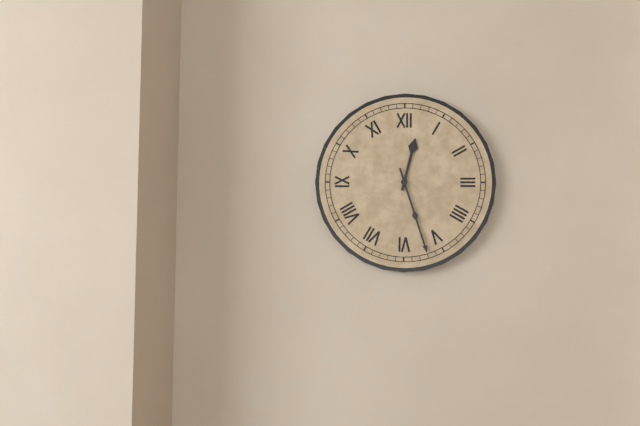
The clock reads 12.27
